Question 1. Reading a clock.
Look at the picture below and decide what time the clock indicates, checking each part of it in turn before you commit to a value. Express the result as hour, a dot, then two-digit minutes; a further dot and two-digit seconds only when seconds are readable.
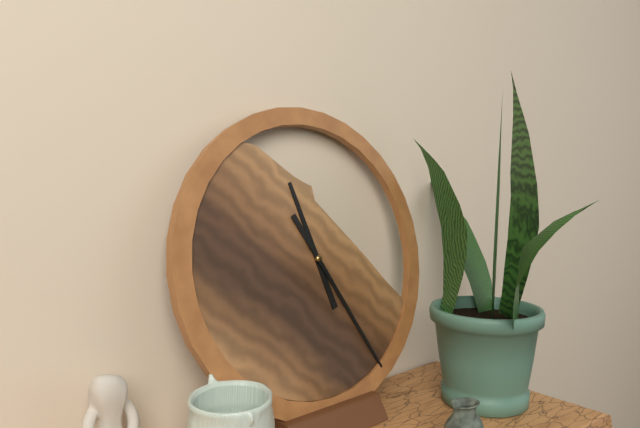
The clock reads 11.25
